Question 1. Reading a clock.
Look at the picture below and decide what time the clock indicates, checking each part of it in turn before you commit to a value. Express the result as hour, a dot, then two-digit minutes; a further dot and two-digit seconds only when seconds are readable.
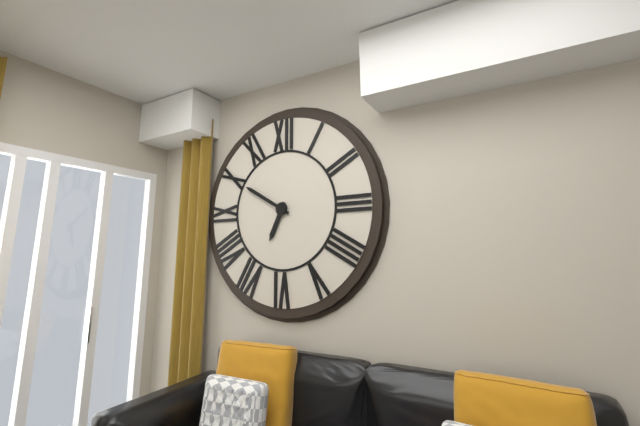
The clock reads 6.50
